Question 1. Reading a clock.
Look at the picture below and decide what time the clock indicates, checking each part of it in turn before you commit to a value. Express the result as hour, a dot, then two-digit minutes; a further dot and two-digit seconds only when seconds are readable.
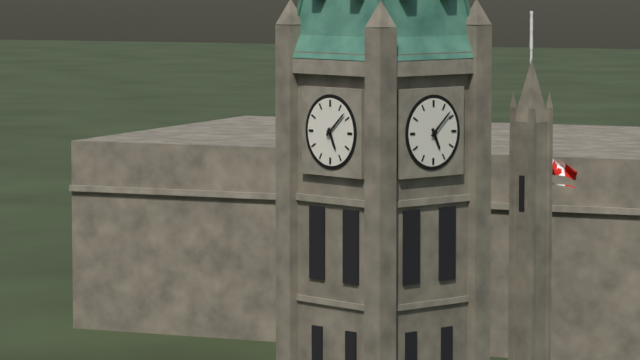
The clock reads 5.08
